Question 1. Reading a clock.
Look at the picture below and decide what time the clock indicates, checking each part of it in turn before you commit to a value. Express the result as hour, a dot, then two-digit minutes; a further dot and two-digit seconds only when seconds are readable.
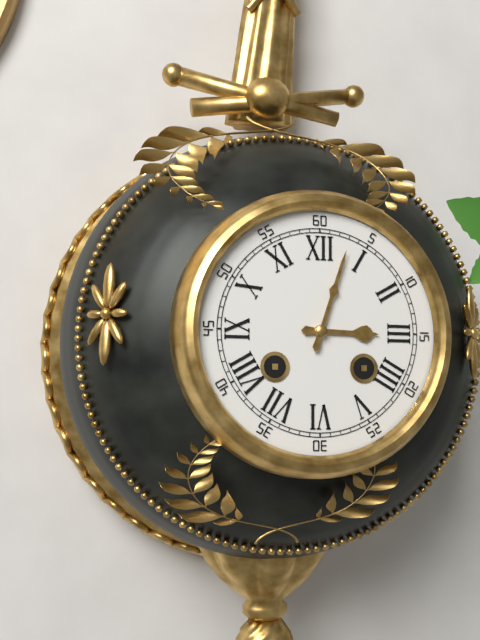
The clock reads 3.03
